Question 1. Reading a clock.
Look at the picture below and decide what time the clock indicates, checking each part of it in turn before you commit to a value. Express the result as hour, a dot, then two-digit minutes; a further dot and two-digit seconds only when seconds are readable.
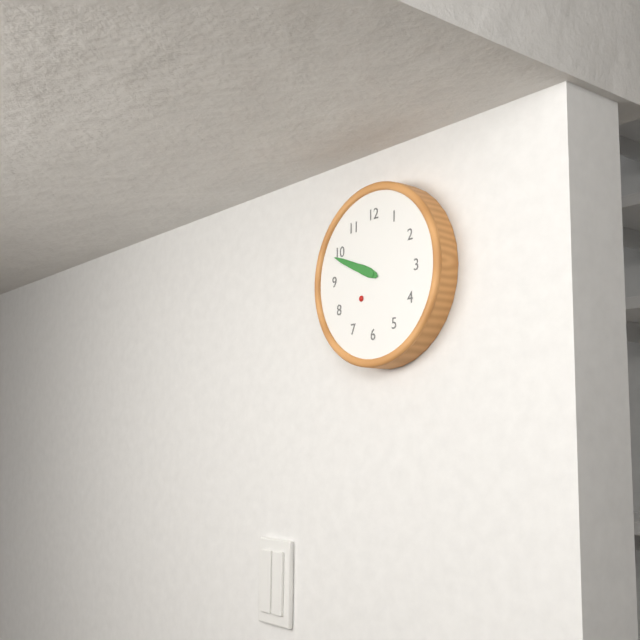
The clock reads 9.49
